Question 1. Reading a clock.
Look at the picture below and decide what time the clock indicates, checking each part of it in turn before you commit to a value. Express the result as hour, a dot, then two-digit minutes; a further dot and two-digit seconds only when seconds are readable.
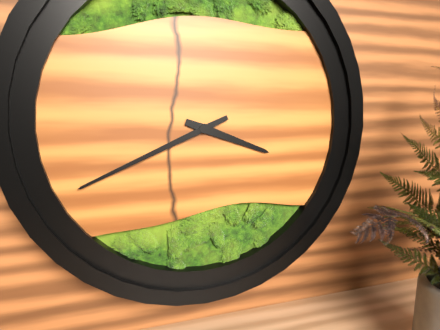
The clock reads 3.41
